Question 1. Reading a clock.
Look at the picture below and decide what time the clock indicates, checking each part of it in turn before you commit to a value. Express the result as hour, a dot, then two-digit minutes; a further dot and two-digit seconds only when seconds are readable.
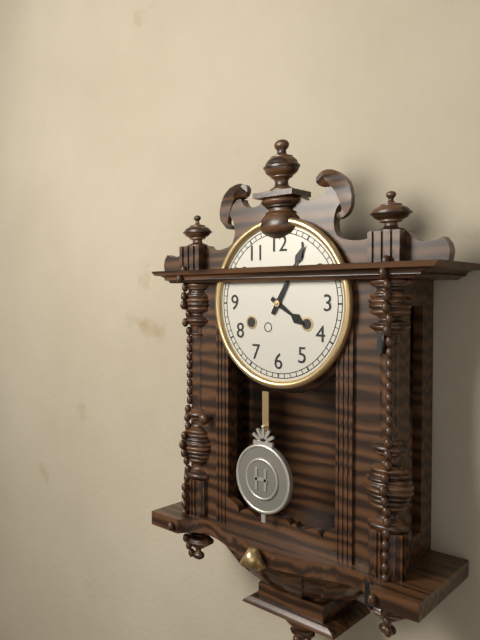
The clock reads 4.05
